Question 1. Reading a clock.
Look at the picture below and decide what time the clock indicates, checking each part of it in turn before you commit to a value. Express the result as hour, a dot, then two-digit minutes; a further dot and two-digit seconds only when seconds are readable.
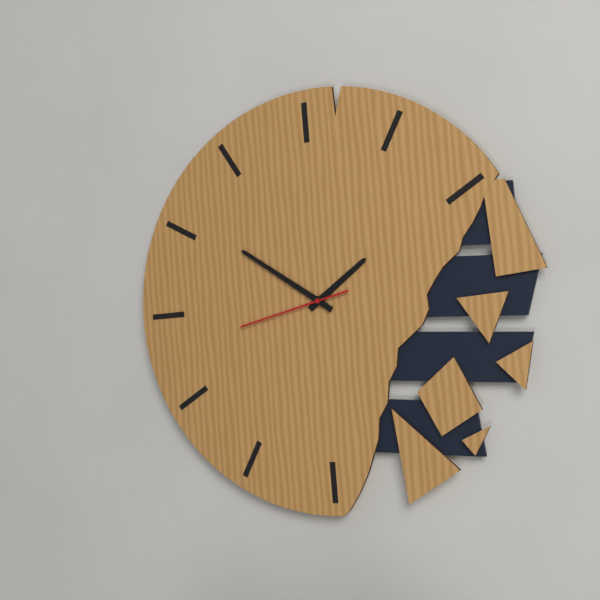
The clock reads 1.51.43
